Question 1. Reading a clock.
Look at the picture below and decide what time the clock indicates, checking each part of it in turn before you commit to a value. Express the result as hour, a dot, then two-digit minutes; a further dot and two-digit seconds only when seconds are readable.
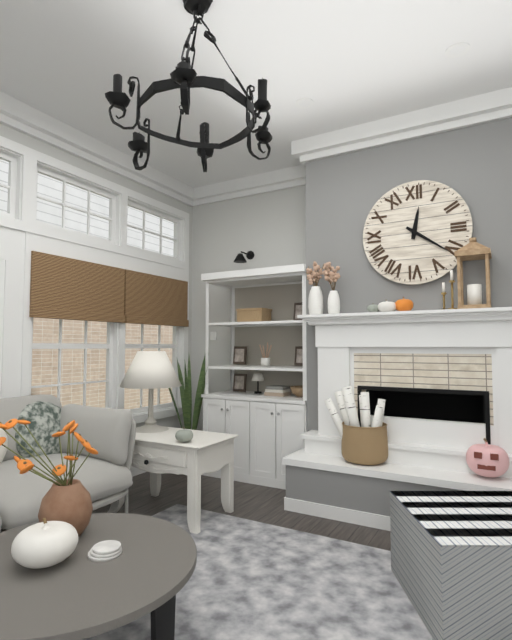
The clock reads 12.21
